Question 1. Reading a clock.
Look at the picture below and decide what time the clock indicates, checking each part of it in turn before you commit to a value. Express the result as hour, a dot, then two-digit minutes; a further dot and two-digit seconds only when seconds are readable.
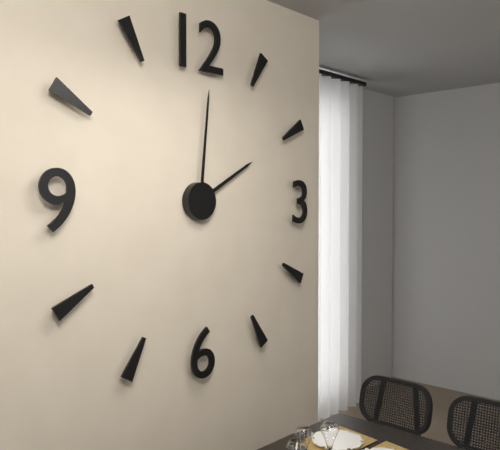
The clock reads 2.01
